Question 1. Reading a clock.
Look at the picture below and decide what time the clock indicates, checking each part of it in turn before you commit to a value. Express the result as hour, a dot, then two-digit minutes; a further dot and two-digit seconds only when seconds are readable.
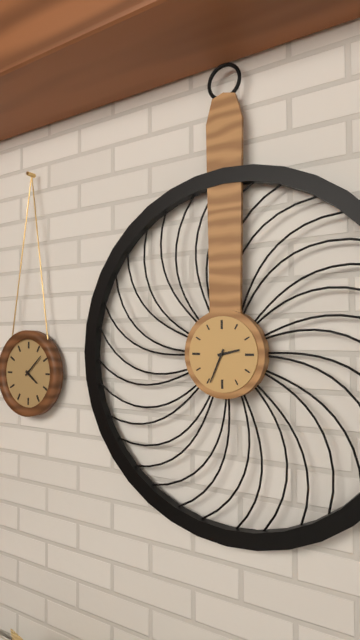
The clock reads 2.34
